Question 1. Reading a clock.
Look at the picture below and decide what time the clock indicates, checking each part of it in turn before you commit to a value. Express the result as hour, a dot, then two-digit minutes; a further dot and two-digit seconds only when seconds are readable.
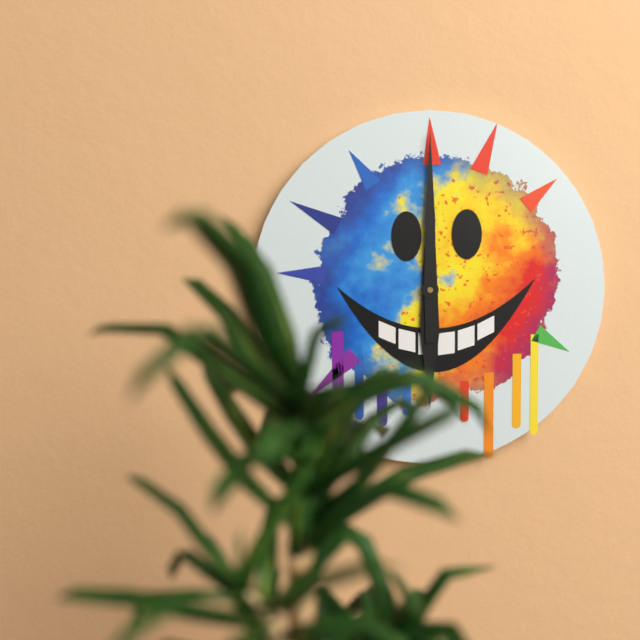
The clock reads 6.00
